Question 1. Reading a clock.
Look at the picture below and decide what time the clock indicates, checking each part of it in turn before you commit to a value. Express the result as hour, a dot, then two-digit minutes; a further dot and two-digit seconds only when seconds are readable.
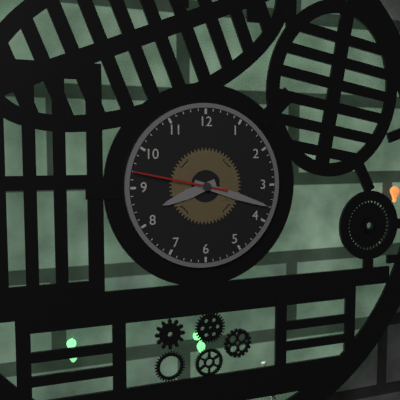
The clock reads 8.18.47
